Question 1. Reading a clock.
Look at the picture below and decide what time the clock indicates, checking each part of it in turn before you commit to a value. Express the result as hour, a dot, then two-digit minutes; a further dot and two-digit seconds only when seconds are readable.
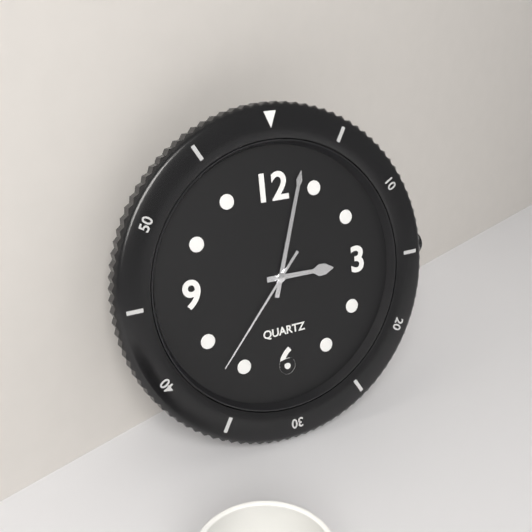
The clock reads 3.03.37
